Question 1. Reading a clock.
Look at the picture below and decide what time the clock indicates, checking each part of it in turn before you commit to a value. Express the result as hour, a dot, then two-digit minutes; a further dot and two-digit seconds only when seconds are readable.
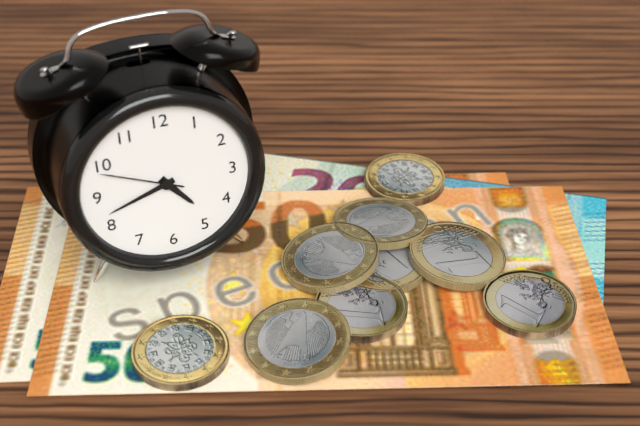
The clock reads 4.42.49
